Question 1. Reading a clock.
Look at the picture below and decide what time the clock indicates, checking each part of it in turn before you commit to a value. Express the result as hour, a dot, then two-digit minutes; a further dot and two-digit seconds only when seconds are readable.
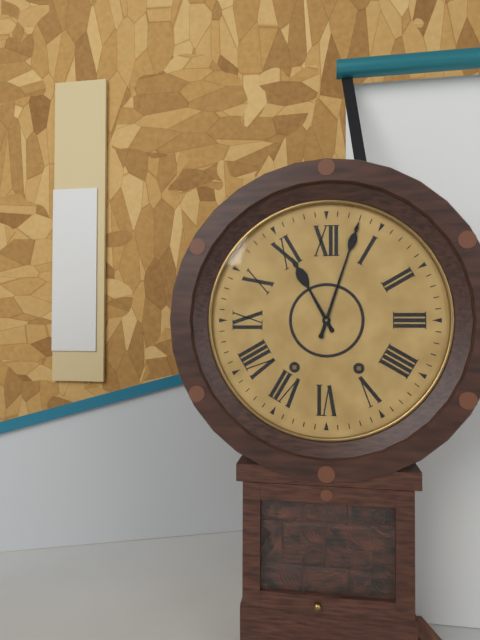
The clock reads 11.03
